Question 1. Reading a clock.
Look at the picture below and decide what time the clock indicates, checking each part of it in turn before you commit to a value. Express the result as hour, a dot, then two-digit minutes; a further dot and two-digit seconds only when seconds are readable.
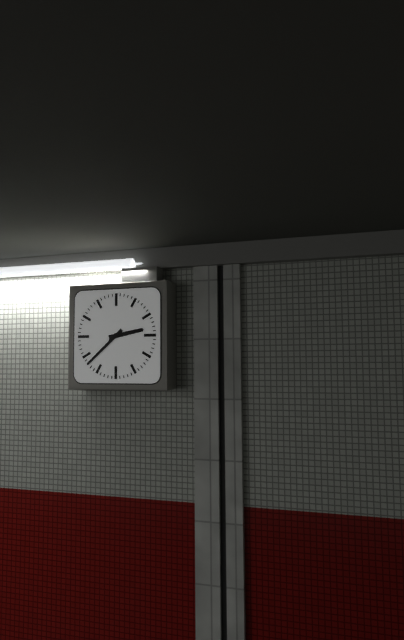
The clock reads 2.38
